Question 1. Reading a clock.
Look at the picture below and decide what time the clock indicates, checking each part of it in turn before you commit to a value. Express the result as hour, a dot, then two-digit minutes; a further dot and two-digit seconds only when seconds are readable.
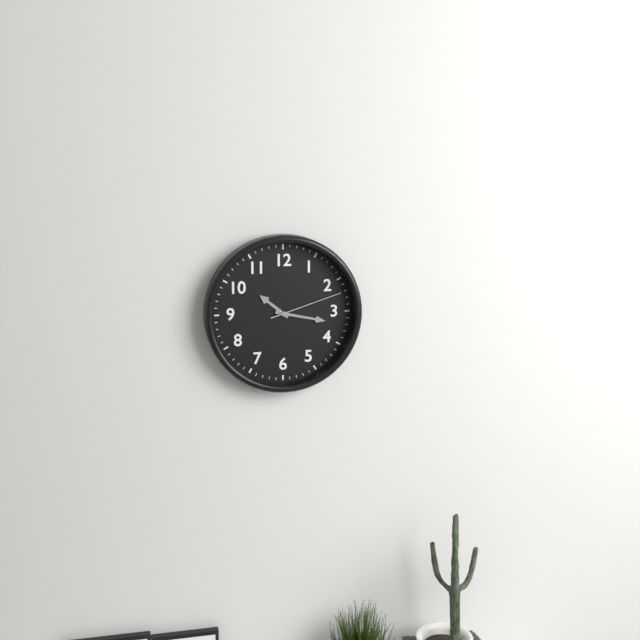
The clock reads 10.17.12
